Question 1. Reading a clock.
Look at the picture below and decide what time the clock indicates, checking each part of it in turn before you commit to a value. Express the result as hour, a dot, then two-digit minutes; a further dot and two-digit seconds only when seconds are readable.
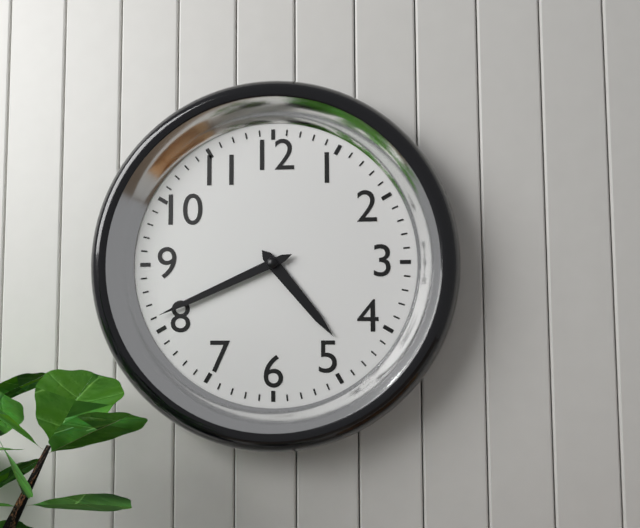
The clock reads 4.41
